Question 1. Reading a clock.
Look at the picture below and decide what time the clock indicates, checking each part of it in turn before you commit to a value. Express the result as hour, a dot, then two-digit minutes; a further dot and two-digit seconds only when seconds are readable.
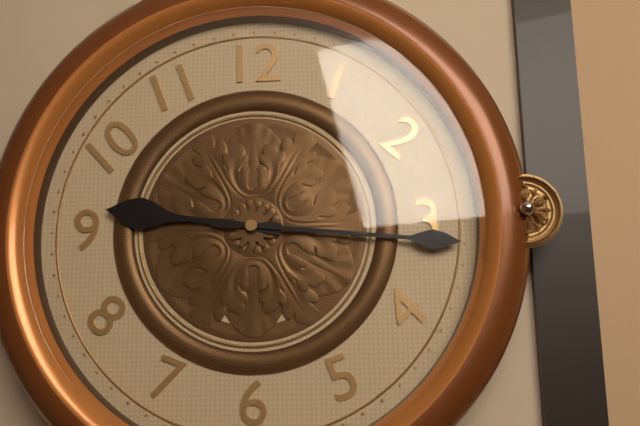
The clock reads 9.16
